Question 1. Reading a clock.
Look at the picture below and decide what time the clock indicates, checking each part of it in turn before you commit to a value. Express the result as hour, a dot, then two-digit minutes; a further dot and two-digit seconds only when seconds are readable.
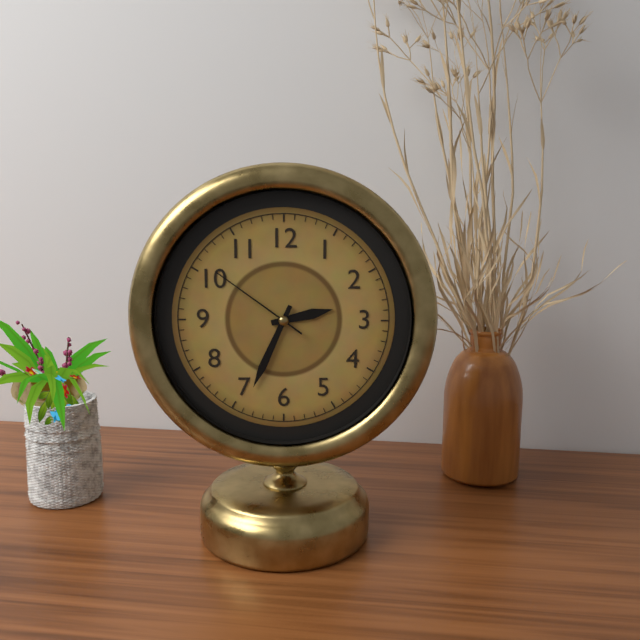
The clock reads 2.34.51
